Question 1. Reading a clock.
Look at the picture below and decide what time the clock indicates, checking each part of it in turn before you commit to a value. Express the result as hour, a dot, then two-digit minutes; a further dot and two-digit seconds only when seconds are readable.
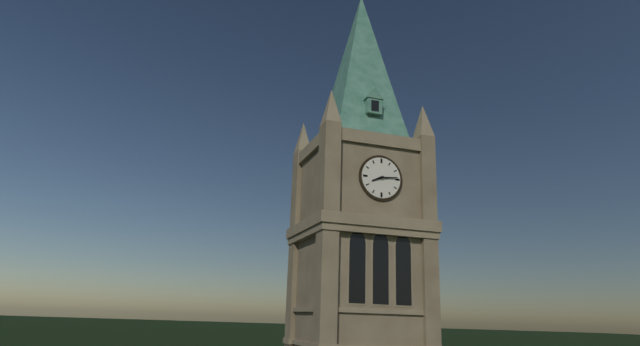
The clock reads 8.14
